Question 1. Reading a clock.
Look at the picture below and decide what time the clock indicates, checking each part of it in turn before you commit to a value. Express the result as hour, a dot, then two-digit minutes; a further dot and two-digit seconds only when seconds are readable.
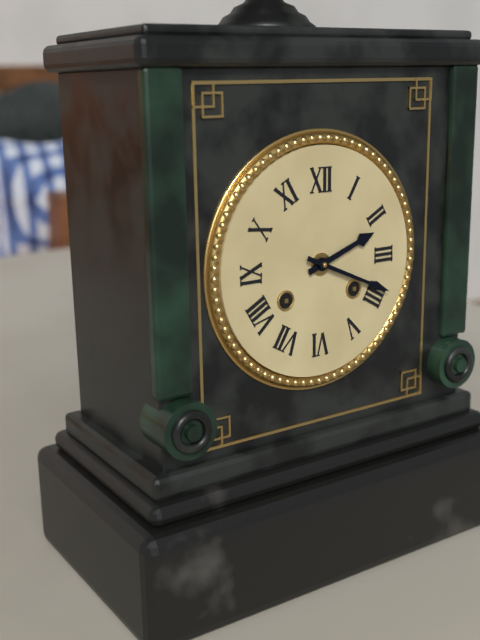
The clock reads 2.19
